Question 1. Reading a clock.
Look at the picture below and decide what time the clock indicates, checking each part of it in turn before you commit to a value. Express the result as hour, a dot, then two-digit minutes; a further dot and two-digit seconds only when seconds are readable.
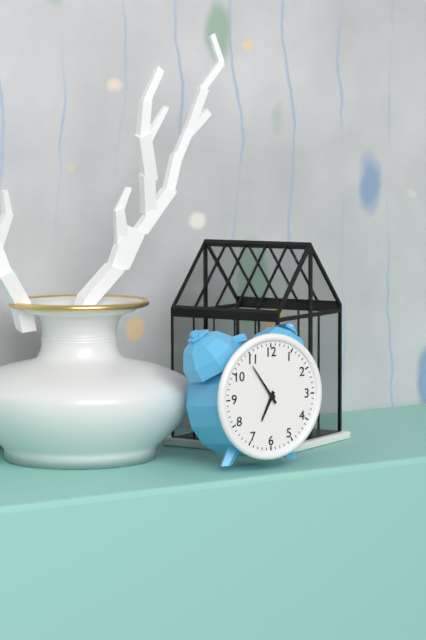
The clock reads 6.54
